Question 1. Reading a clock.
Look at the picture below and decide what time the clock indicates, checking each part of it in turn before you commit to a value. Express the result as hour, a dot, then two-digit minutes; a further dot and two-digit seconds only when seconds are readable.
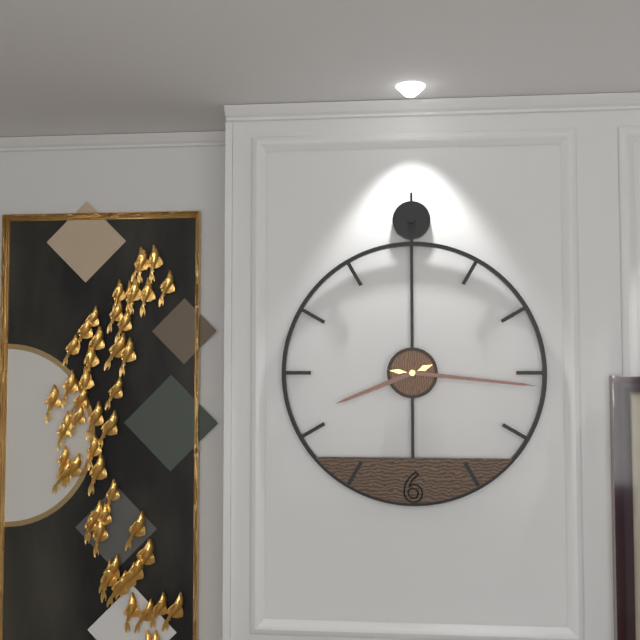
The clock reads 8.16
